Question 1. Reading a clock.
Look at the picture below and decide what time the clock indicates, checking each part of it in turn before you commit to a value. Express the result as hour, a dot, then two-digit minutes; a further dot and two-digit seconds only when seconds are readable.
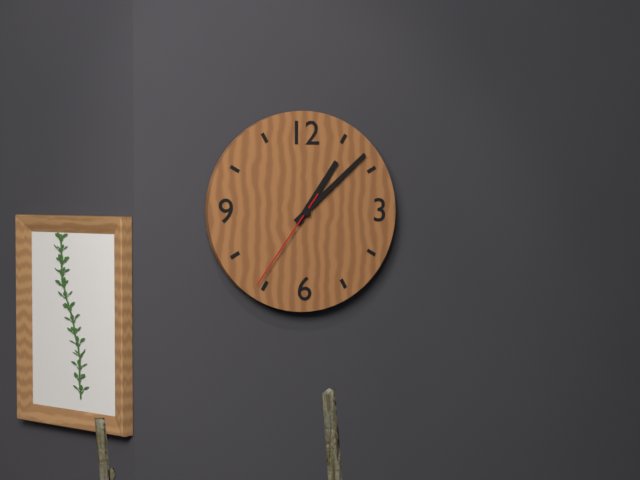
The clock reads 1.08.36
